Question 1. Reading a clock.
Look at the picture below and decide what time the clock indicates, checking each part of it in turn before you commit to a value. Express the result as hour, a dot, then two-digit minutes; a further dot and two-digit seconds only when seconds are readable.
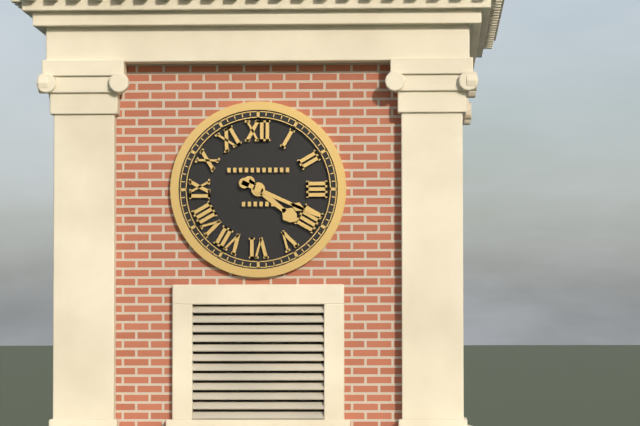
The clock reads 4.19
